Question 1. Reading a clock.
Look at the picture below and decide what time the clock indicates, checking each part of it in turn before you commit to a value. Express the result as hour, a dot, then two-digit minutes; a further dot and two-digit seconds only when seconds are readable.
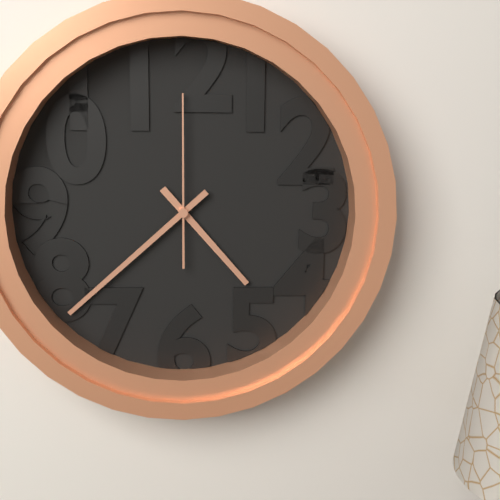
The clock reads 4.38.00
